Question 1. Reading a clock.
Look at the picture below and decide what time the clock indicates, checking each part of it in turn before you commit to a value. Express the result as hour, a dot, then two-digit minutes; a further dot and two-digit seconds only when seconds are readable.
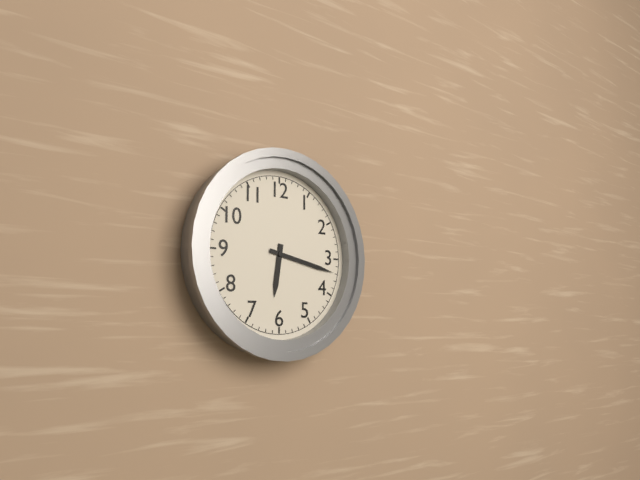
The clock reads 6.17
